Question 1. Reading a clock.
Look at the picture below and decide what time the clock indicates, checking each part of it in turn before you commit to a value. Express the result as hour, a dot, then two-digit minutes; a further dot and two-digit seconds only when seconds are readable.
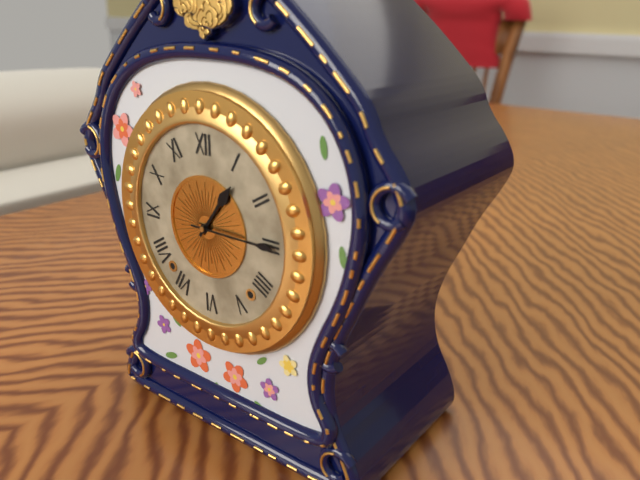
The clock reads 1.15
